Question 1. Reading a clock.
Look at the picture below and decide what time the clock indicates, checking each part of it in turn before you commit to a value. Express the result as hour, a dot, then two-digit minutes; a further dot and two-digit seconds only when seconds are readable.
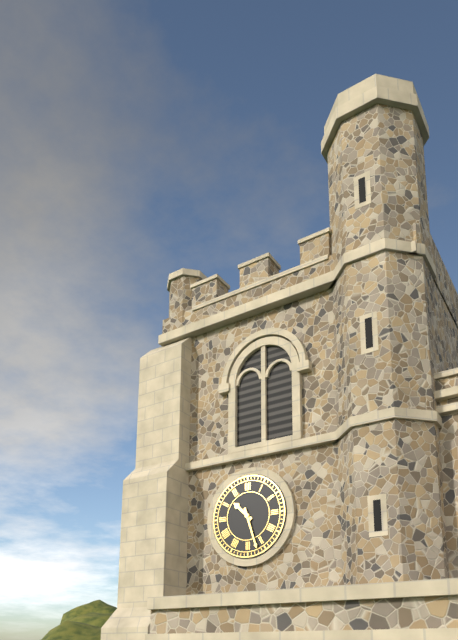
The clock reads 10.27
